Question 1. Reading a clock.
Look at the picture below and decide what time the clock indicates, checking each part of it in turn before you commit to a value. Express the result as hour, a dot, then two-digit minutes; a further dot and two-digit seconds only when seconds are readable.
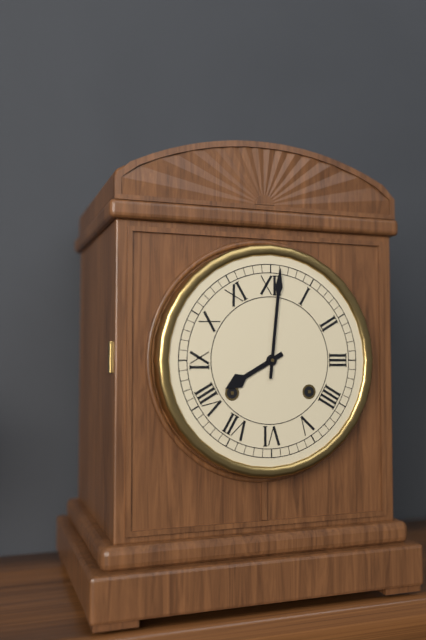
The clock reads 8.01
